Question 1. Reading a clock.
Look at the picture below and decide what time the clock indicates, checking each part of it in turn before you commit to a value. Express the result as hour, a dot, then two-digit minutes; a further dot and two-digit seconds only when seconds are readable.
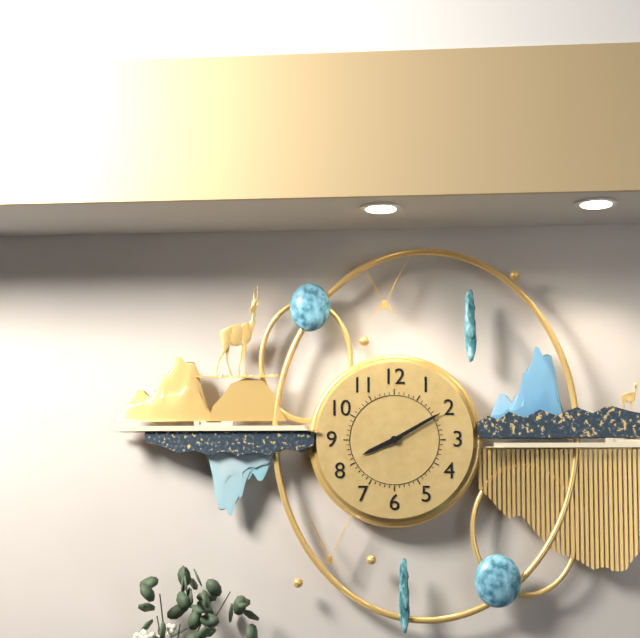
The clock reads 8.10
